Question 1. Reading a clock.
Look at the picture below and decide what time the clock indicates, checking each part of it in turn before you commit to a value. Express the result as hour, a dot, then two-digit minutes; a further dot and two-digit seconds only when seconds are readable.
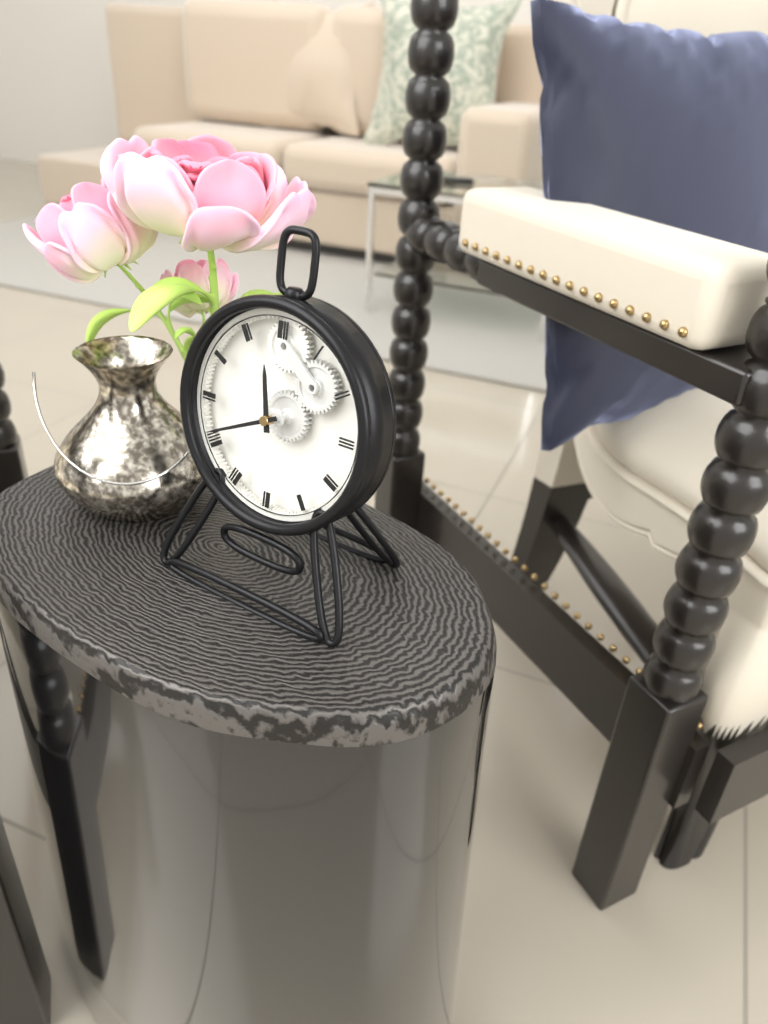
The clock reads 11.41
